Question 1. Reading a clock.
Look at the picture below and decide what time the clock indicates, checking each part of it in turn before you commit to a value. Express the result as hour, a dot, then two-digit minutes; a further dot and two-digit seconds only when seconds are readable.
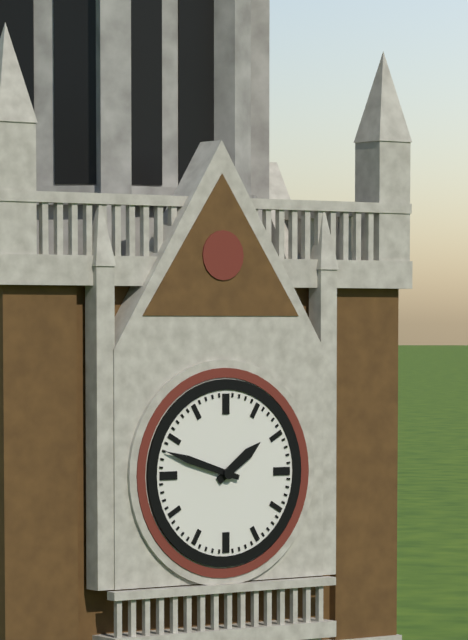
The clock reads 1.48
